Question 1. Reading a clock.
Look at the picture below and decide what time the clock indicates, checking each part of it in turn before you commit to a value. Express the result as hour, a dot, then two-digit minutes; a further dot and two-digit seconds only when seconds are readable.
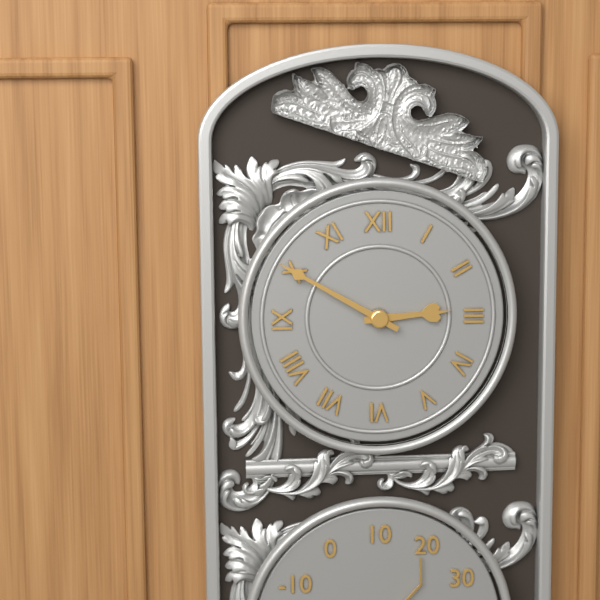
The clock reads 2.50
